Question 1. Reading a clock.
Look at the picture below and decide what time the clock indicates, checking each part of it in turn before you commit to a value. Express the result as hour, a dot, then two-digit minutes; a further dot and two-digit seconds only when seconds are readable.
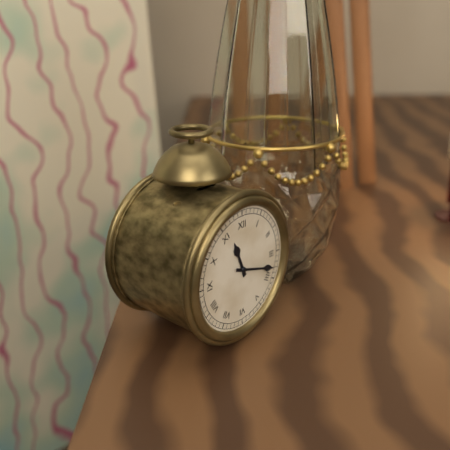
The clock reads 11.18
